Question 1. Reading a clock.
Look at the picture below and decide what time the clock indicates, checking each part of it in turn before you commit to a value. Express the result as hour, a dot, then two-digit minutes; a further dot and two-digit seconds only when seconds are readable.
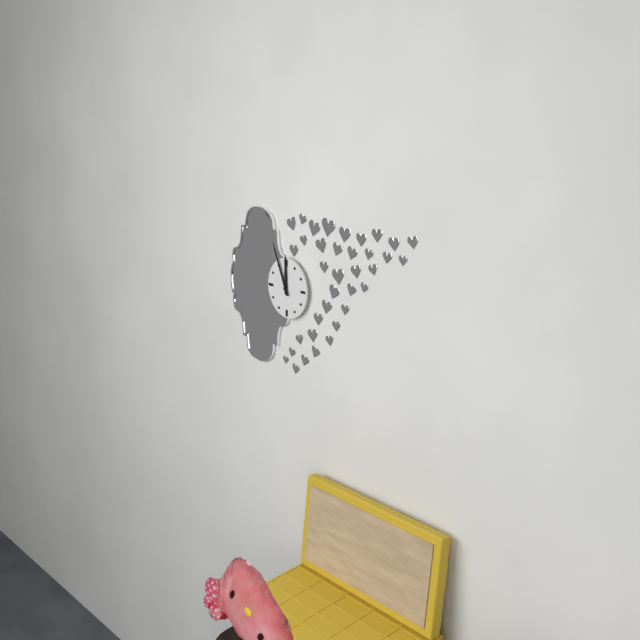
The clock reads 11.56
